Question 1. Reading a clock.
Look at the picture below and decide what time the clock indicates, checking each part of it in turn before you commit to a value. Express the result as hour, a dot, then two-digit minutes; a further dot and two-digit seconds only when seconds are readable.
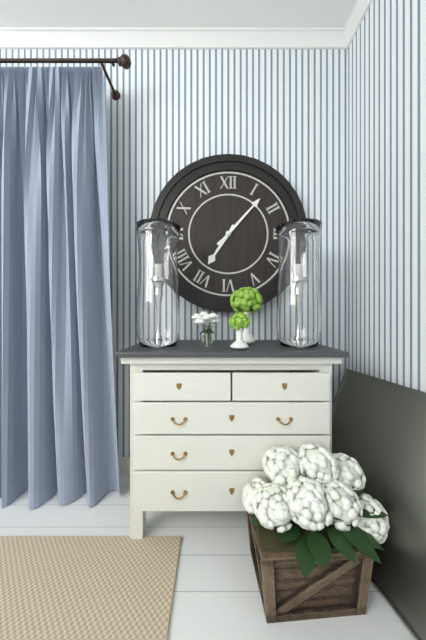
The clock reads 7.07
